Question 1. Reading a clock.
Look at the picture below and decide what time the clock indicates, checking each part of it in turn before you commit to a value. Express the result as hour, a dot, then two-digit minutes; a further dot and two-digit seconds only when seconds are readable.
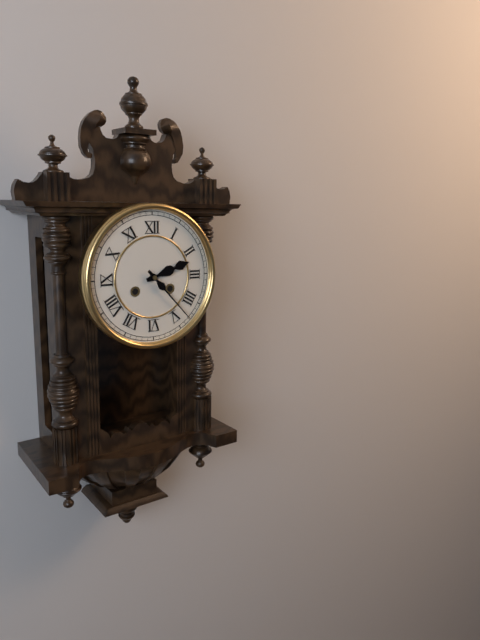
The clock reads 2.23
